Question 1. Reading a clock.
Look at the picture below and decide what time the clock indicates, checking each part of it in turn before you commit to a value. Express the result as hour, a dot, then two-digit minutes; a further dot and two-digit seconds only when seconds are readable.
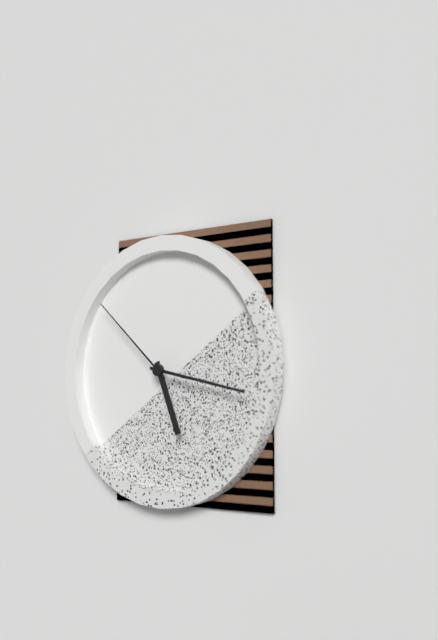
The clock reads 5.17.52
